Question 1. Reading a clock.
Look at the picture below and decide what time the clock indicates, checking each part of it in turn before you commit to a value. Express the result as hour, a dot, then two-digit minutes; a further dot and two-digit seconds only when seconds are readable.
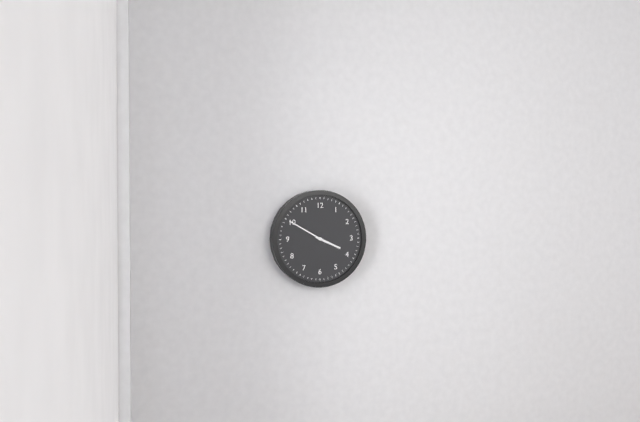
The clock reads 3.50
